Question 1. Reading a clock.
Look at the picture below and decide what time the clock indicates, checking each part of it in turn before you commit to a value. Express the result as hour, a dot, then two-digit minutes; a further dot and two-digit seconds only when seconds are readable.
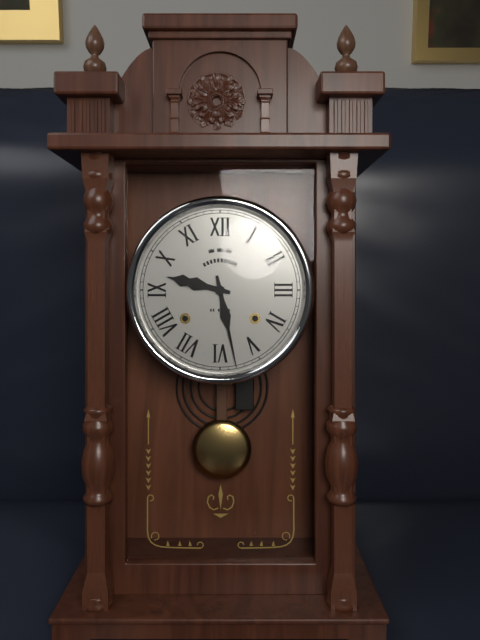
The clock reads 9.28
